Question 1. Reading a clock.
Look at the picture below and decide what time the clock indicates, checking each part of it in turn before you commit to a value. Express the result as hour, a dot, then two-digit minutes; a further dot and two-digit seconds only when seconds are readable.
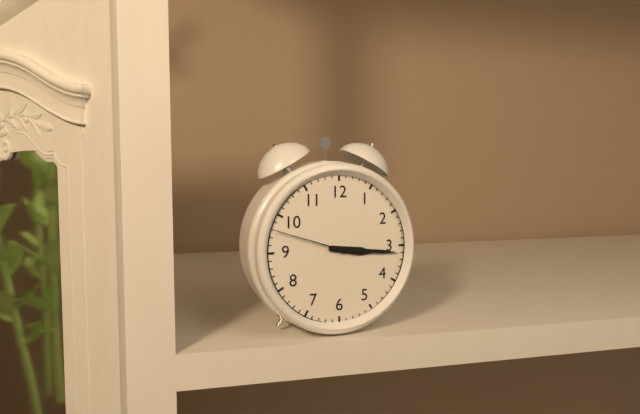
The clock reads 3.16.48
